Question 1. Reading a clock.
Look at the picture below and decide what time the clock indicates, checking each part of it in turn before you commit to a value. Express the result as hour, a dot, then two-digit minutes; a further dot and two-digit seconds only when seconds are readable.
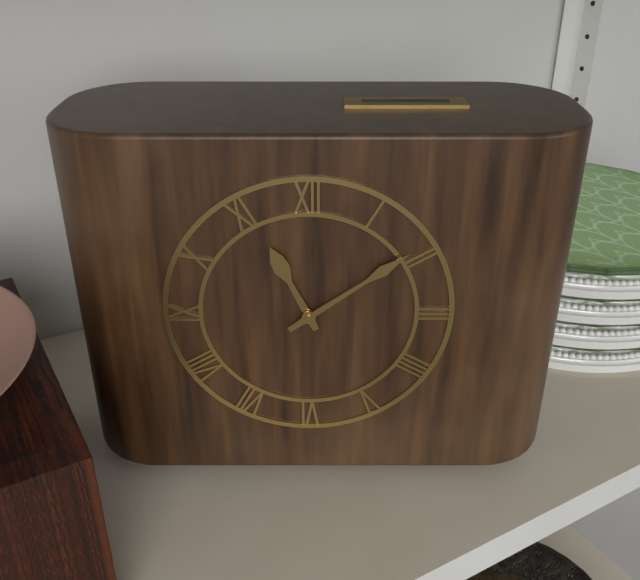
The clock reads 11.09
